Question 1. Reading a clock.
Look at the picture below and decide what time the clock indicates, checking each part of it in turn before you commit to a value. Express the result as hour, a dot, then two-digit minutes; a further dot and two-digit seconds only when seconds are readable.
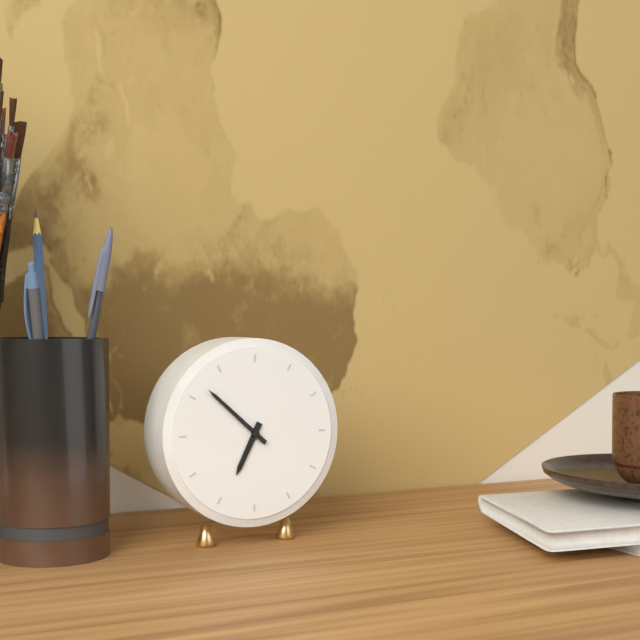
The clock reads 6.52
